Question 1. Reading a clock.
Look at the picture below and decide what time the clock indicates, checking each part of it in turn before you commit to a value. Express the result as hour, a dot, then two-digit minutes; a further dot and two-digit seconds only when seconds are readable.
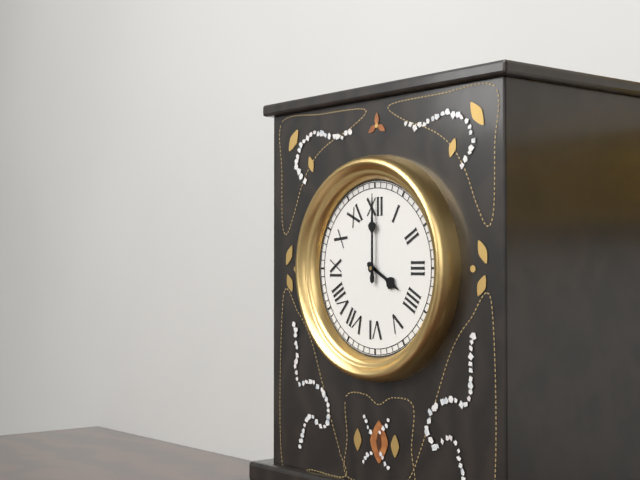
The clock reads 4.00
